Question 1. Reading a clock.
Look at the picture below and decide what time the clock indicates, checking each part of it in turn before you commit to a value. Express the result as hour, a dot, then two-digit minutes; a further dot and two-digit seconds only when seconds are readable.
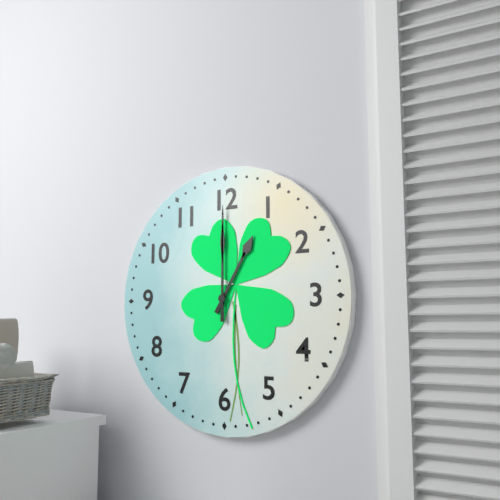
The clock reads 1.00
